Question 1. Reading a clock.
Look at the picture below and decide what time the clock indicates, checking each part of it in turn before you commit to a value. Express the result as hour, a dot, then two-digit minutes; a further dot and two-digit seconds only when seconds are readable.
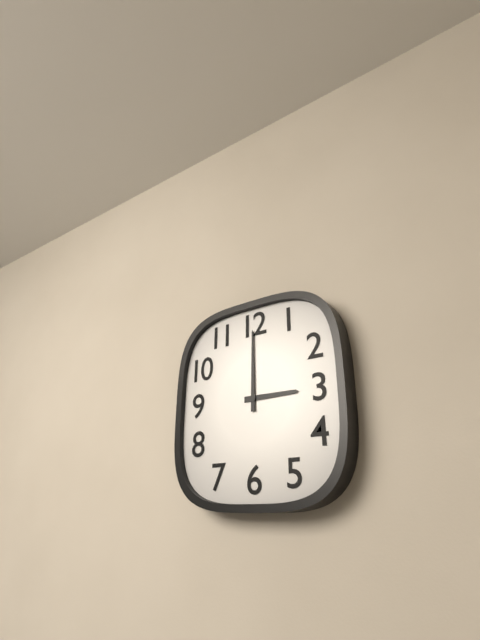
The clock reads 3.00
